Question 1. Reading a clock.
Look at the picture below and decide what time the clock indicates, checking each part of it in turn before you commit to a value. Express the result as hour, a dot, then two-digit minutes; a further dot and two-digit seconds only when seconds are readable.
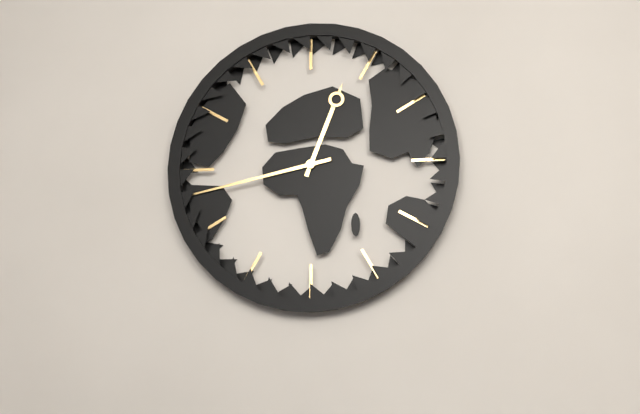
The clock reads 12.43
